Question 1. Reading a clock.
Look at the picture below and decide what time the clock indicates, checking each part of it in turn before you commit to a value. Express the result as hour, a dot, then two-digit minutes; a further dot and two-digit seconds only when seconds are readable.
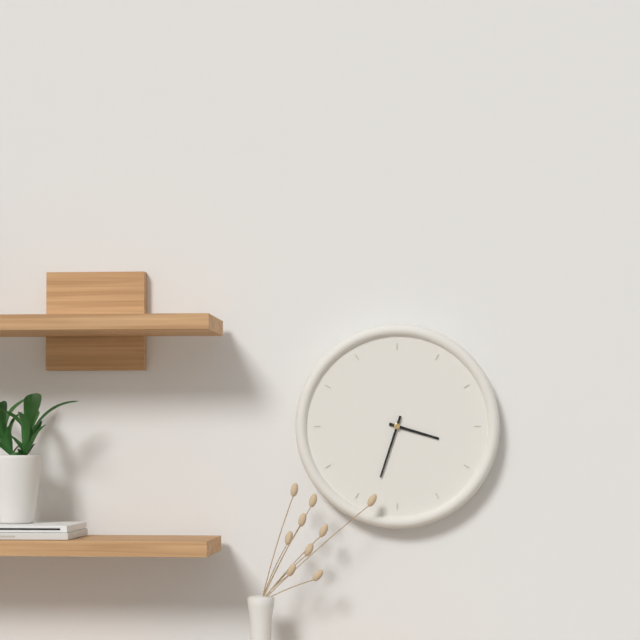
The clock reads 3.33
